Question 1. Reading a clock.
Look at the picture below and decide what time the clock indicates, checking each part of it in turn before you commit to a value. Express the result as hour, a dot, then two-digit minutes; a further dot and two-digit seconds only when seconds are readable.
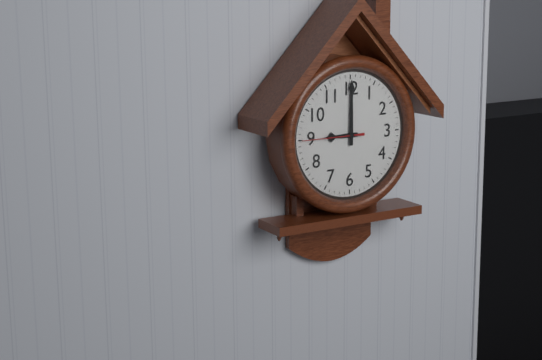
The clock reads 9.00
